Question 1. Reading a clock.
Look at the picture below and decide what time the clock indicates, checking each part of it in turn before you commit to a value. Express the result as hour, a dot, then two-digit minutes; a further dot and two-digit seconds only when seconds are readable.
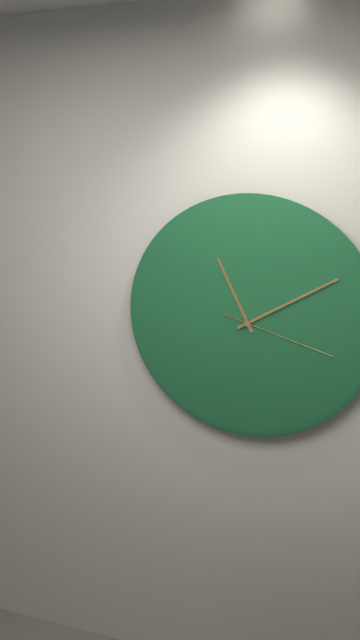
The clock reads 11.10.18
